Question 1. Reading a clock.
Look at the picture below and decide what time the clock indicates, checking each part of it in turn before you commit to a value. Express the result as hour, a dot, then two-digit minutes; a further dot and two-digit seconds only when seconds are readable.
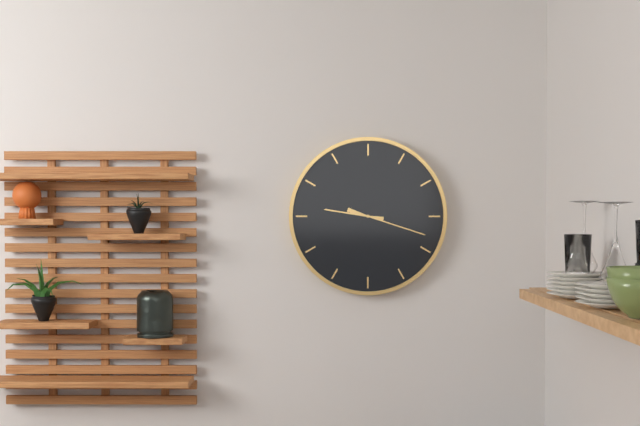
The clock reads 9.18
